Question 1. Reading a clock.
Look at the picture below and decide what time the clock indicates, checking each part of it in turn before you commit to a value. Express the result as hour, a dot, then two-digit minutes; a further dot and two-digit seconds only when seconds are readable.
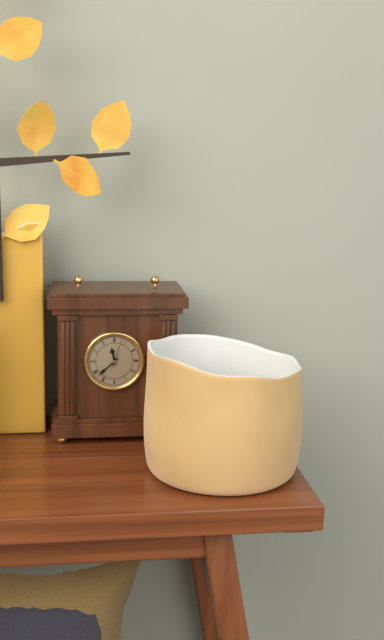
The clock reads 11.38
